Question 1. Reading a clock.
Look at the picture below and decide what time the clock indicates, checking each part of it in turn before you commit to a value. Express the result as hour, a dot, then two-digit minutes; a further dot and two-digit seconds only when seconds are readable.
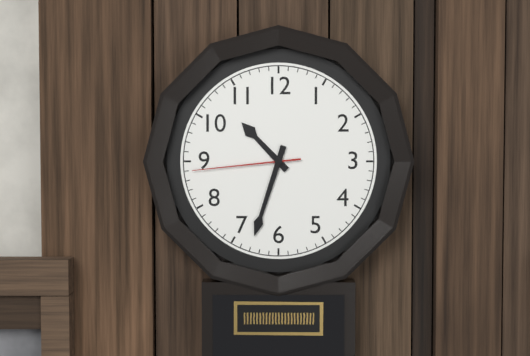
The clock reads 10.33.44
